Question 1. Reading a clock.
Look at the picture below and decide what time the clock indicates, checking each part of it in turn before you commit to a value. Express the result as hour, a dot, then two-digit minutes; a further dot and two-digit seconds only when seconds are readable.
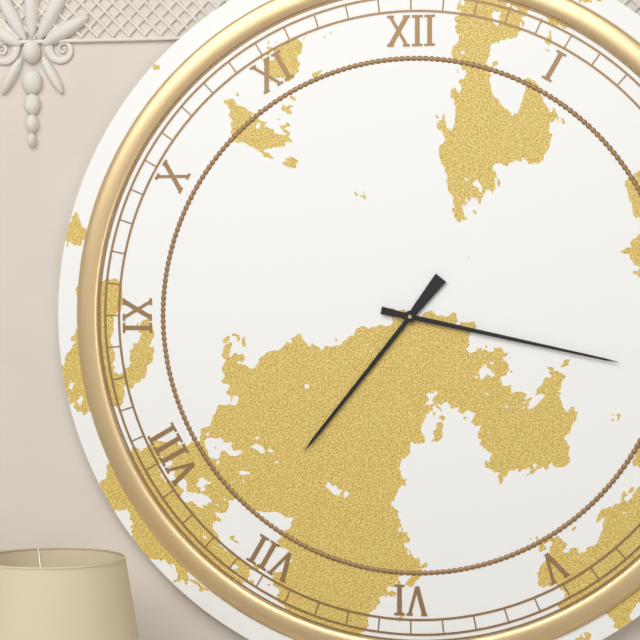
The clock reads 7.17
